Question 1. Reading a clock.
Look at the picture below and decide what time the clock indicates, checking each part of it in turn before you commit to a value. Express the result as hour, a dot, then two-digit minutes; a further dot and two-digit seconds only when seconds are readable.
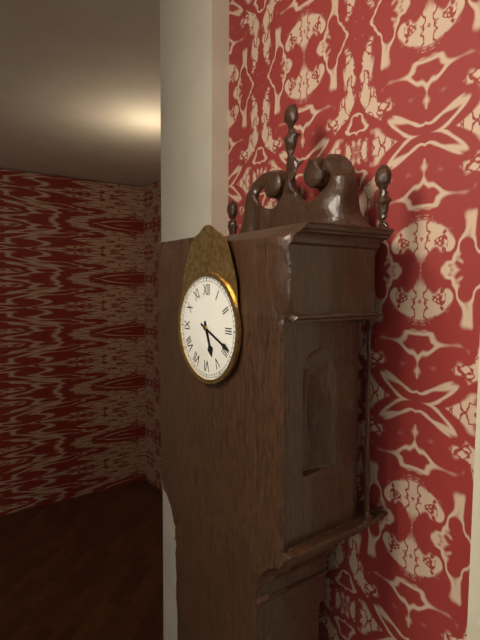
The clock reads 5.19
